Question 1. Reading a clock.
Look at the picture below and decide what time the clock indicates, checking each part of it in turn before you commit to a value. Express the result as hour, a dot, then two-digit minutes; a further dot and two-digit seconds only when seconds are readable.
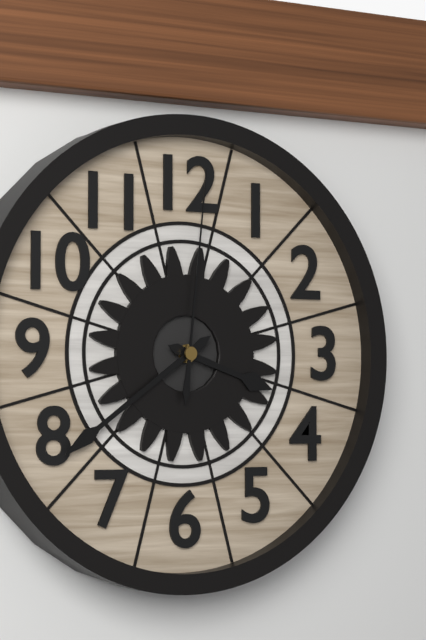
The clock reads 3.39.01
